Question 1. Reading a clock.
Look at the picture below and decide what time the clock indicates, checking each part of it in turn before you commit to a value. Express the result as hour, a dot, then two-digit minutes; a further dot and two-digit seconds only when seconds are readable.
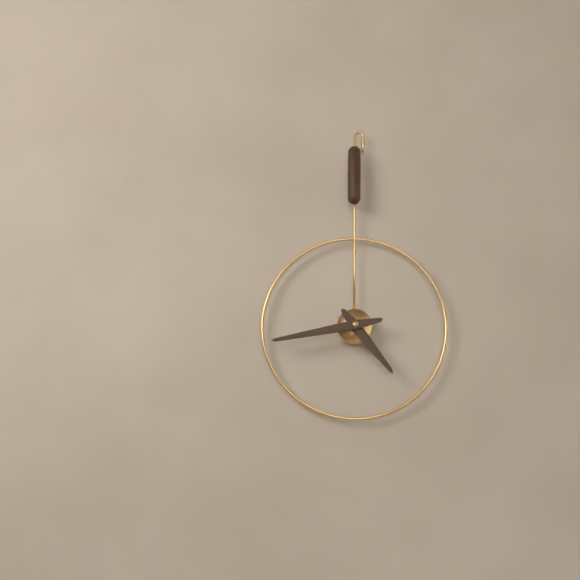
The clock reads 4.43
